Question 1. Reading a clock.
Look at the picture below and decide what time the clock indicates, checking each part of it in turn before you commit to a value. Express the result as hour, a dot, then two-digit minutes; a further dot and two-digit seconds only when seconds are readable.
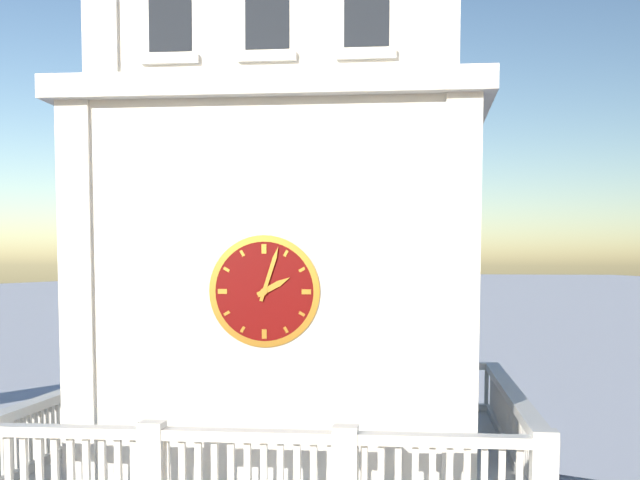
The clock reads 2.03
